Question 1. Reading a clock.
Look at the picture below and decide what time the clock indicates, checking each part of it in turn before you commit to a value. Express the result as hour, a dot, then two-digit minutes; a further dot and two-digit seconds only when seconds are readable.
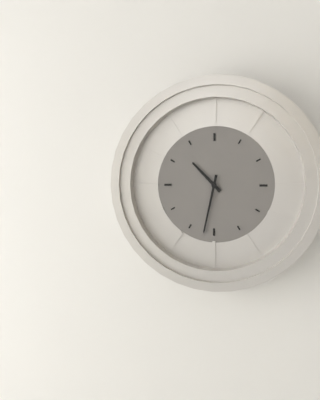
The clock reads 10.32
